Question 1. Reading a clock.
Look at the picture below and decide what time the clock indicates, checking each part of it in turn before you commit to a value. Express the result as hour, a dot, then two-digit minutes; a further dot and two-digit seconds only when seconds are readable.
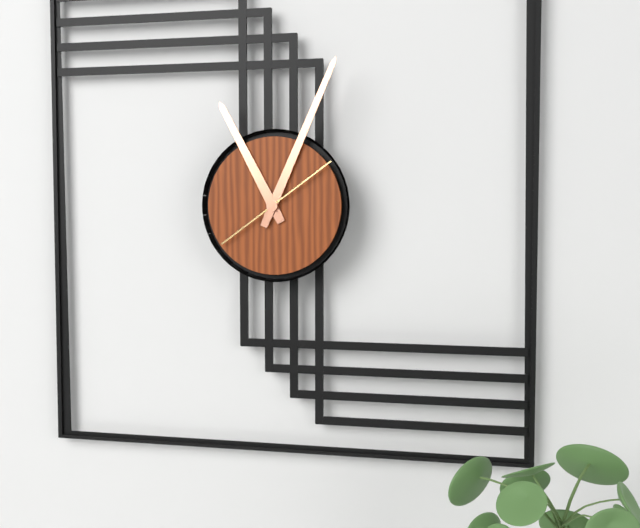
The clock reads 11.04.09
